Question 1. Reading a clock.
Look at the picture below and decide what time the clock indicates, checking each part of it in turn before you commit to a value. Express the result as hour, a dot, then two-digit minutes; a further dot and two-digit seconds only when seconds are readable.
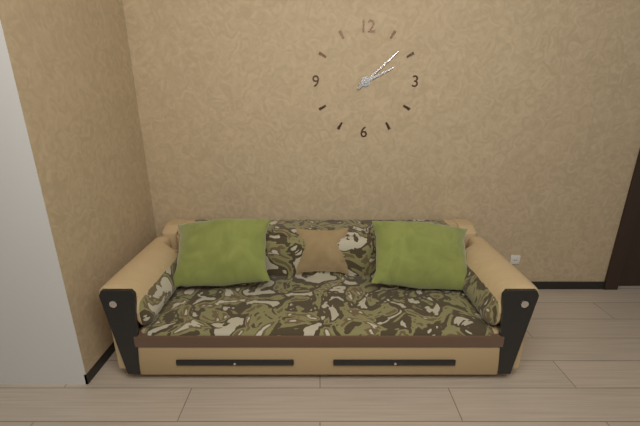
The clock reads 2.08
